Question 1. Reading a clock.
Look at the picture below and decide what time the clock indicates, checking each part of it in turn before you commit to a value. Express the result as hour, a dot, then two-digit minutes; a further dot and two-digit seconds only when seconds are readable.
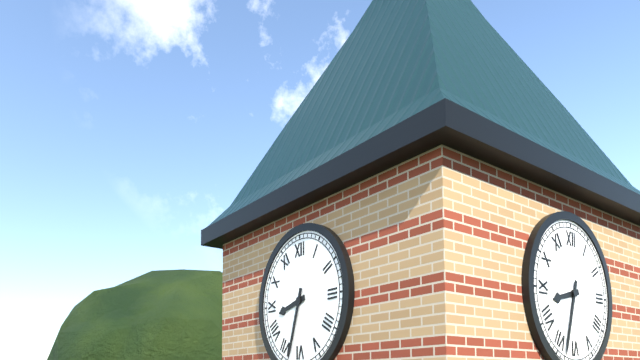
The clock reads 8.33
